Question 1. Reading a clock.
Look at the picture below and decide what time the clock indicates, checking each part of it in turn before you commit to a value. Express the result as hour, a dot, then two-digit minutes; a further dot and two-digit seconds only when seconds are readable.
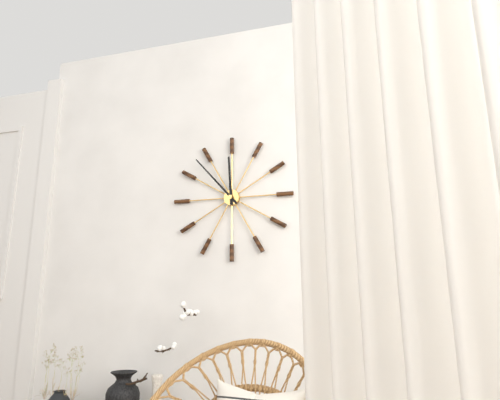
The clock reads 11.53
